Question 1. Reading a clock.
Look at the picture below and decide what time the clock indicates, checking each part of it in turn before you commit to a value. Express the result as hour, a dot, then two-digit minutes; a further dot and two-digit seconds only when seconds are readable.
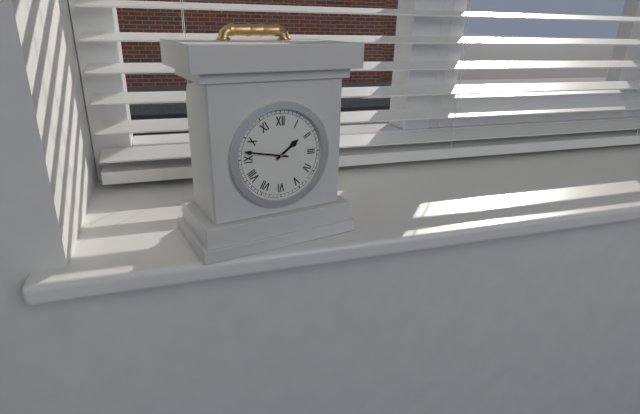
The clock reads 1.47
